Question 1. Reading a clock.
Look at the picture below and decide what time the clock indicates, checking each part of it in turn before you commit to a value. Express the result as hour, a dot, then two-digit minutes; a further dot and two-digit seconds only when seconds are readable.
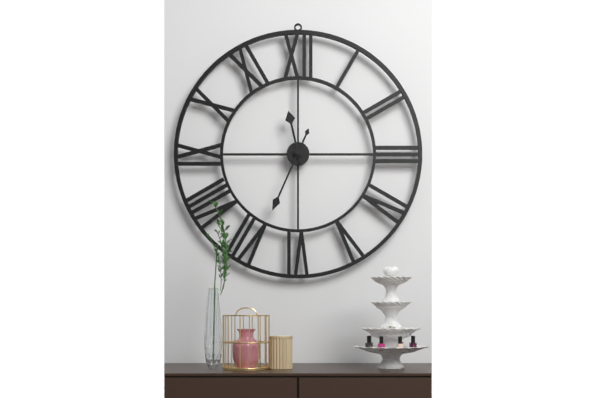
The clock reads 11.34
